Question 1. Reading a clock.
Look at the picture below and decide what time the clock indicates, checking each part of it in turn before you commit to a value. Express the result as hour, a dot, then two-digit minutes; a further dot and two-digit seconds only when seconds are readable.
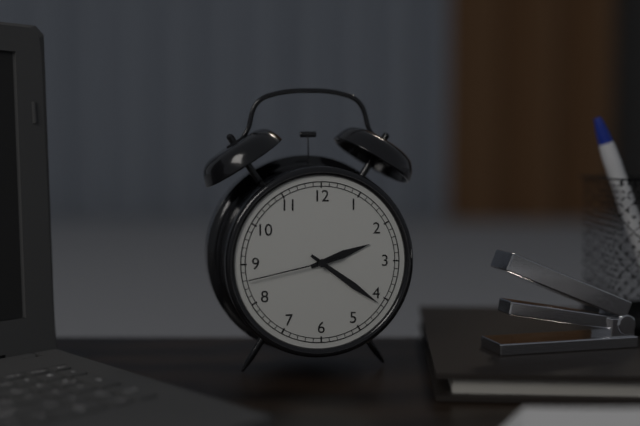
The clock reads 2.21.43
